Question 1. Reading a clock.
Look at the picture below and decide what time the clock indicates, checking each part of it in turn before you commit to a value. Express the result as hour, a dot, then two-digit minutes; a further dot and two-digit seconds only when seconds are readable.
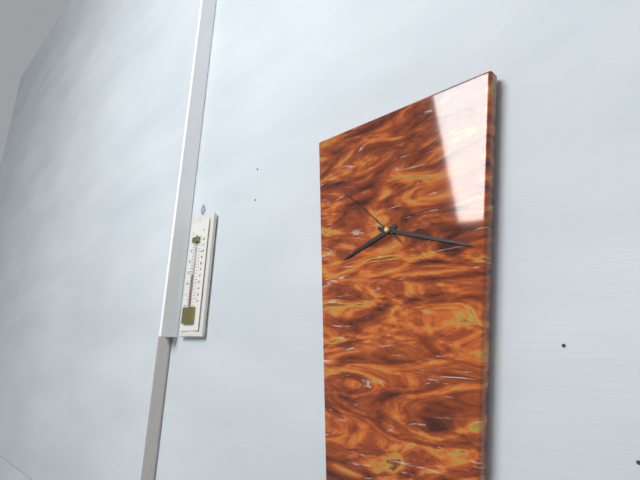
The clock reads 8.18.52
